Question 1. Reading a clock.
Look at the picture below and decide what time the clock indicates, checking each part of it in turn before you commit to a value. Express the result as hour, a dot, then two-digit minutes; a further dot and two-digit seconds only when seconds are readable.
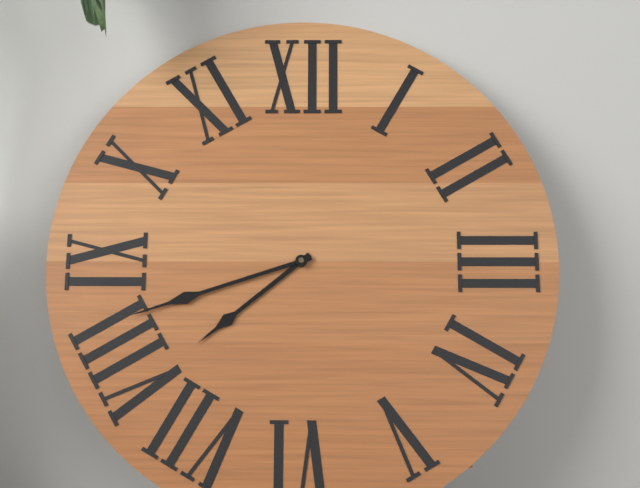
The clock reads 7.42
